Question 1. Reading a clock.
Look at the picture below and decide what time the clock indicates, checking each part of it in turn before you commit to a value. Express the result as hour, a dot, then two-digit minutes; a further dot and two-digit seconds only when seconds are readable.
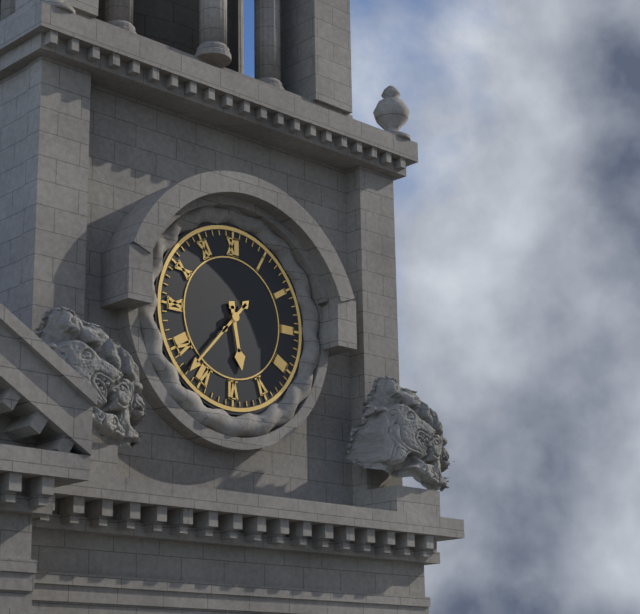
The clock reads 5.37
